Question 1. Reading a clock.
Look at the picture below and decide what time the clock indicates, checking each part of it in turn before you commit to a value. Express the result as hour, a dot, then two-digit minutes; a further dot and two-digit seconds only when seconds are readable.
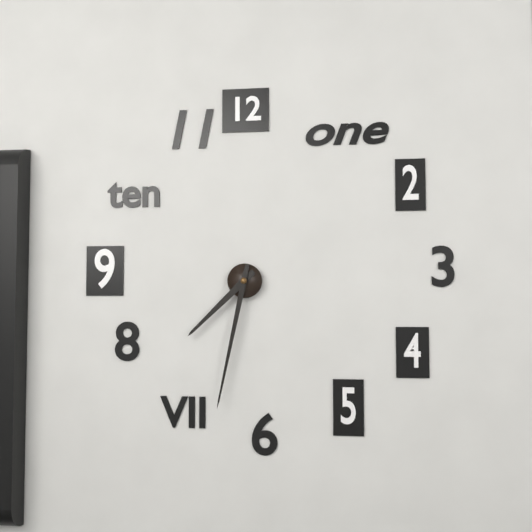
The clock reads 7.32
